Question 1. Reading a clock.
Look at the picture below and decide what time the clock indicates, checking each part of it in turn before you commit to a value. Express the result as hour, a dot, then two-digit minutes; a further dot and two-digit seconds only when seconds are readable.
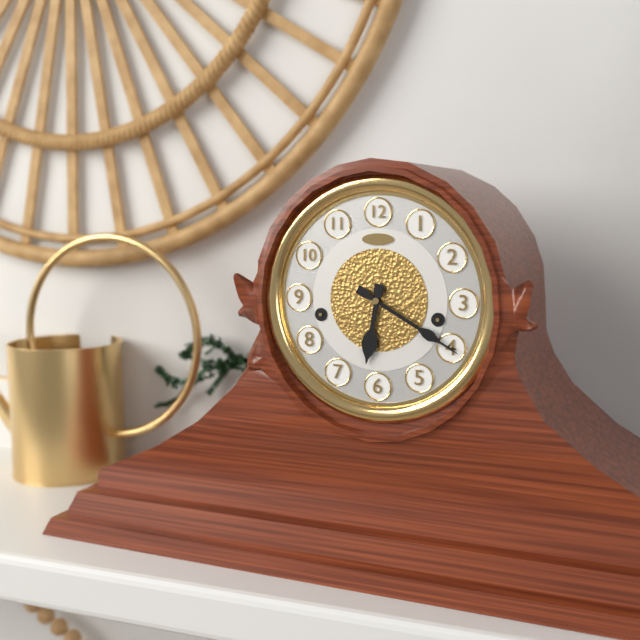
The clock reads 6.20
